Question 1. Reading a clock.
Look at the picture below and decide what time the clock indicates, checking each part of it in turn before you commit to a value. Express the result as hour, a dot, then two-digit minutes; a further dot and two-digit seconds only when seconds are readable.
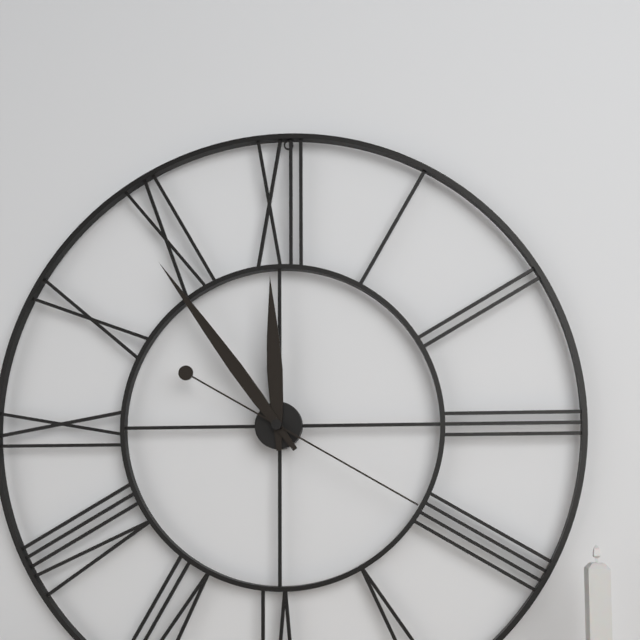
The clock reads 11.54.20
